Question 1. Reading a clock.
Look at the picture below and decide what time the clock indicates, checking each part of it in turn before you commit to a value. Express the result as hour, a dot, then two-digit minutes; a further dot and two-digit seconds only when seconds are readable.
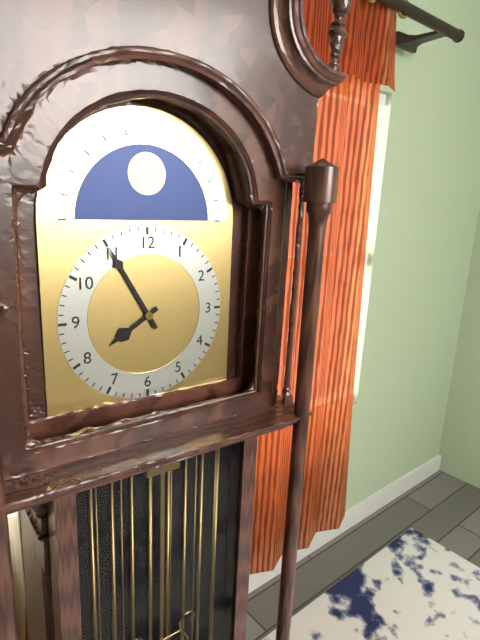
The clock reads 7.55
